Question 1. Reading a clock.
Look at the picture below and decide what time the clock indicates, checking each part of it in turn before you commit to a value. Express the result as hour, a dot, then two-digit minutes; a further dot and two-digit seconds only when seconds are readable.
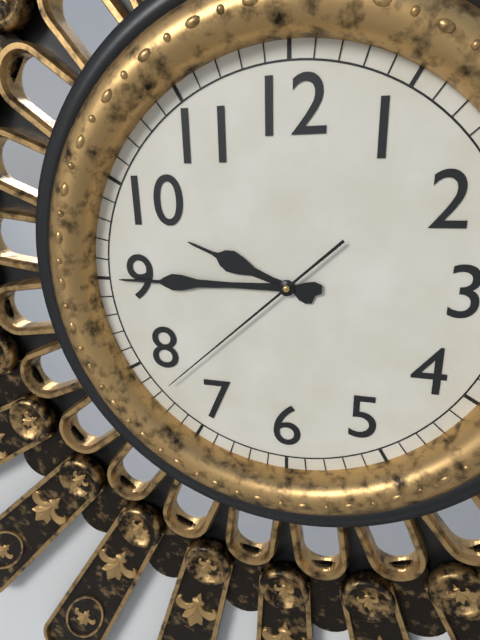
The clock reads 9.45.38
